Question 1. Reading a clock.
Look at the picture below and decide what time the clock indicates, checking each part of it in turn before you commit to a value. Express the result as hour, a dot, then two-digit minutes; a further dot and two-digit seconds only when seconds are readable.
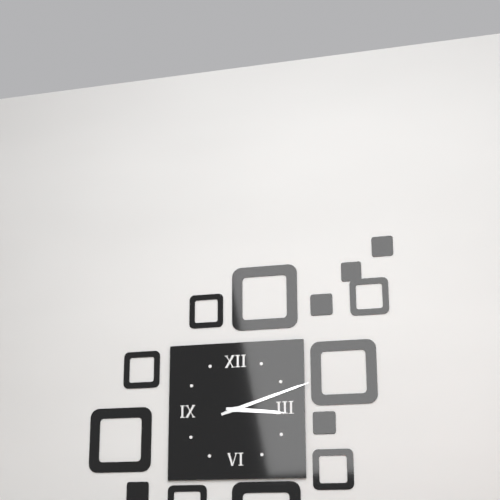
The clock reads 3.12
